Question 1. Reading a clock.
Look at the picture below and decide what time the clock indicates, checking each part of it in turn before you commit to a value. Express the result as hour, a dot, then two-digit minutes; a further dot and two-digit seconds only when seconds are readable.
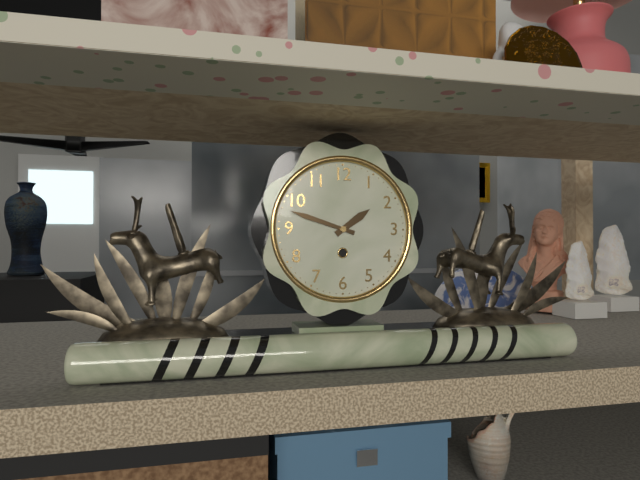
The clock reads 1.48
